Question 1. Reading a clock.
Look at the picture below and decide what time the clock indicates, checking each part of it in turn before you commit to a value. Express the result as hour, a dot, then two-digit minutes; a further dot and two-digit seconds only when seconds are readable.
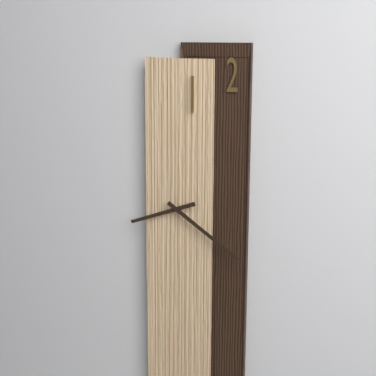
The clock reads 8.21
